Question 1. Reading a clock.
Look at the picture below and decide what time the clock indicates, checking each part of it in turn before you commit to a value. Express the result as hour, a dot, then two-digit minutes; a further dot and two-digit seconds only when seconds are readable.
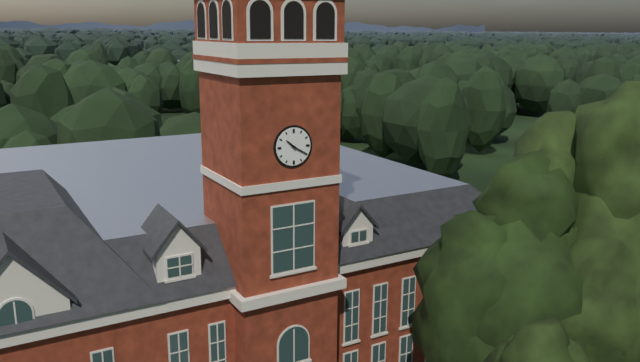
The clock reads 10.20
